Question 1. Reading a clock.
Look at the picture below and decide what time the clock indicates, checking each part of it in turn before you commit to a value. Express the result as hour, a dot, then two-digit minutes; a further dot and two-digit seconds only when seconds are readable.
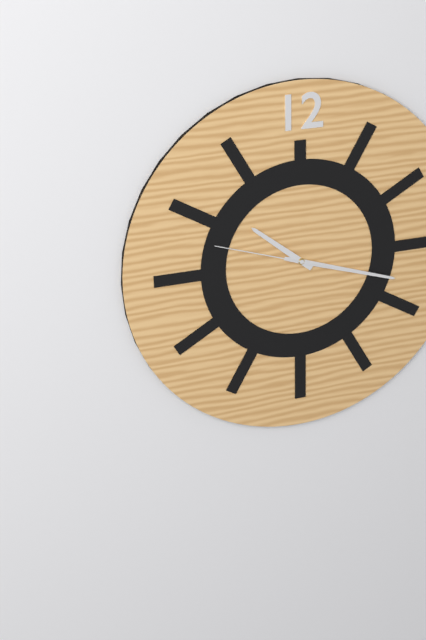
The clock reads 10.18.48
